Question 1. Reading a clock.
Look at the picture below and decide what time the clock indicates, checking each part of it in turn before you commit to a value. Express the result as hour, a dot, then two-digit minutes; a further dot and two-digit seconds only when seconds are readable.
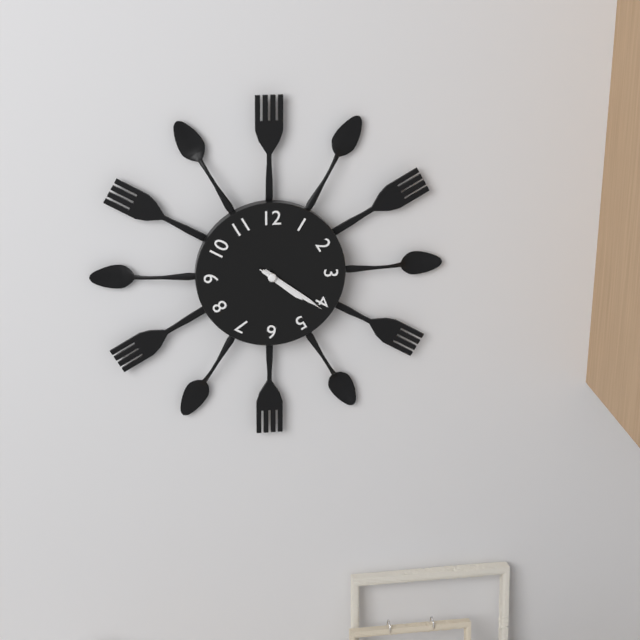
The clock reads 4.21.21
